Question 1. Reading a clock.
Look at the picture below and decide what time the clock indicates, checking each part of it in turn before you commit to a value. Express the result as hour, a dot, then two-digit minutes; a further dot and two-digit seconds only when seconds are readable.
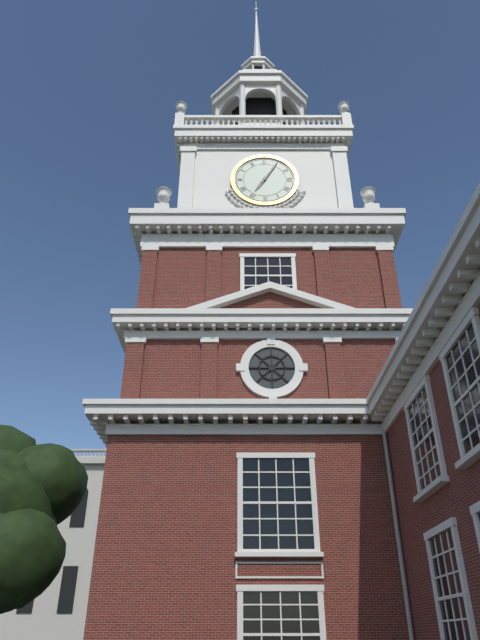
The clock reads 7.05
